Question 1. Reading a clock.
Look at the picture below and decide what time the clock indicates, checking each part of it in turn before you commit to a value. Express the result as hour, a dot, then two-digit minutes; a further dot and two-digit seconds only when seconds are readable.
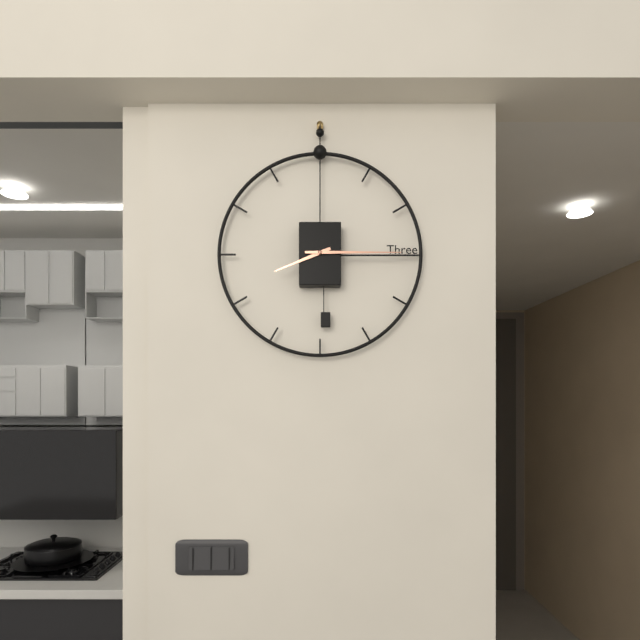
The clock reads 8.15
